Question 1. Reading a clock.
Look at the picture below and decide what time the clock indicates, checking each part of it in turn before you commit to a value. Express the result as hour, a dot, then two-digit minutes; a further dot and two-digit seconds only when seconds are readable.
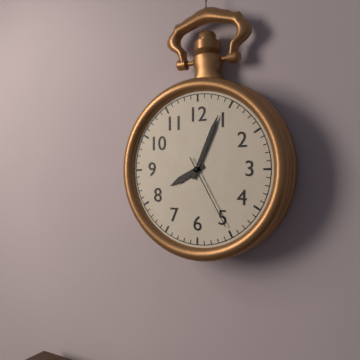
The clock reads 8.04.25
